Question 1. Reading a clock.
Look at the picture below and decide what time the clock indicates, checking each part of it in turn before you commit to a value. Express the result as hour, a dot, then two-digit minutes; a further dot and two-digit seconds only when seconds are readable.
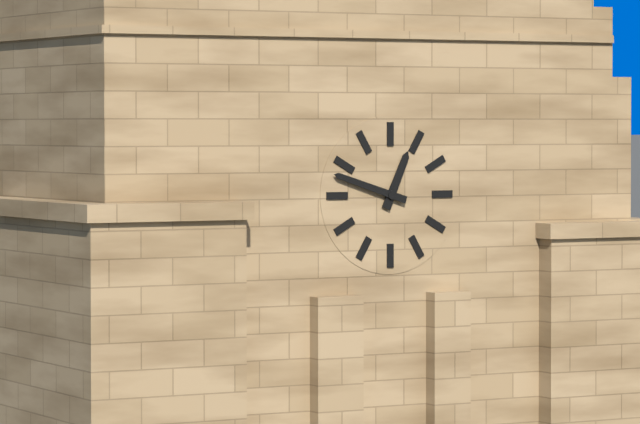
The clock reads 12.48
